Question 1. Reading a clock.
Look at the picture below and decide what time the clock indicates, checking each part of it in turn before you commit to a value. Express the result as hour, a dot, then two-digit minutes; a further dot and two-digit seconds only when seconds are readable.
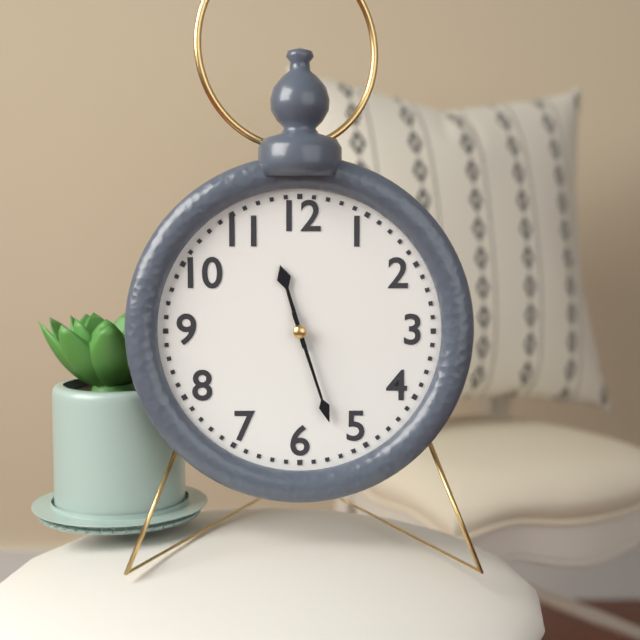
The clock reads 11.27
